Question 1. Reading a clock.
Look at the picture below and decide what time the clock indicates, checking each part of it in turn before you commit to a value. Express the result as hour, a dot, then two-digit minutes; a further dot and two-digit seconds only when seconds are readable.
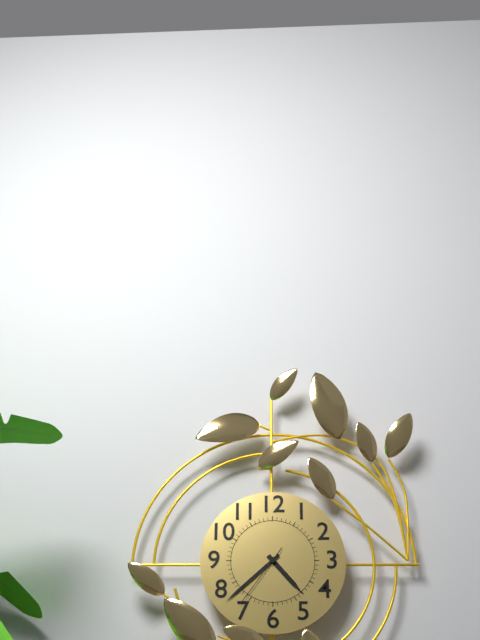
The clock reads 4.38.36
